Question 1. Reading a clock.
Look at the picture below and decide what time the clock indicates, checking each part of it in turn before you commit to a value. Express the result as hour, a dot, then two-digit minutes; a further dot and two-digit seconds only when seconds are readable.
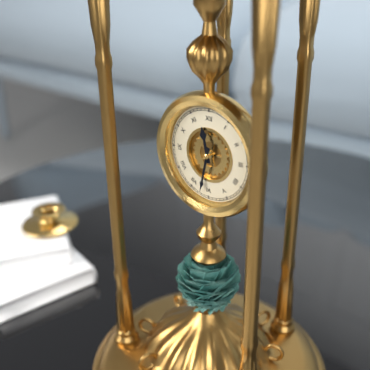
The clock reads 11.32
